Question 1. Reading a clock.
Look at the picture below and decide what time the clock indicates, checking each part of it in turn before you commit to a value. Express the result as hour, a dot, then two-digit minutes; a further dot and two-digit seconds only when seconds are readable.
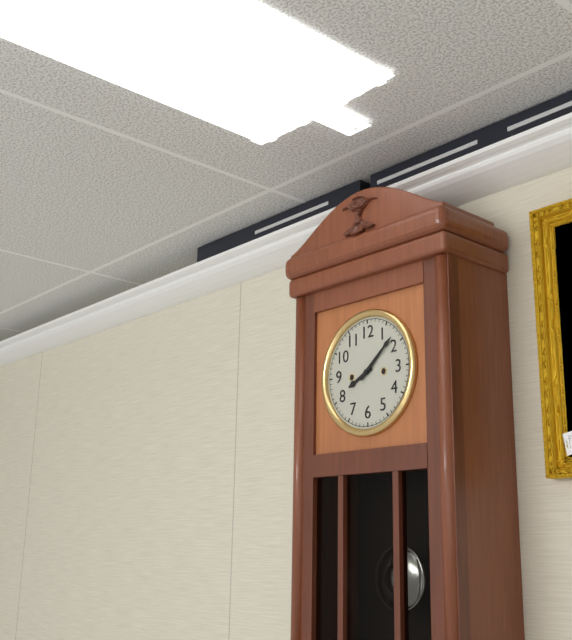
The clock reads 8.08
